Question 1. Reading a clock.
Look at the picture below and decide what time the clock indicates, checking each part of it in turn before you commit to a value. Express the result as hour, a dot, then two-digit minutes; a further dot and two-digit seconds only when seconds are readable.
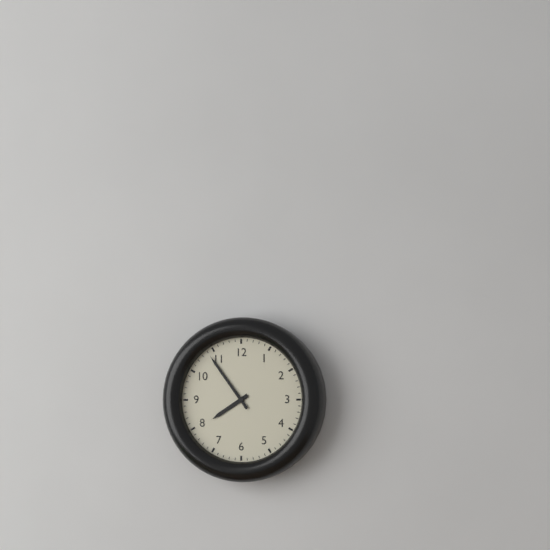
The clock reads 7.54
